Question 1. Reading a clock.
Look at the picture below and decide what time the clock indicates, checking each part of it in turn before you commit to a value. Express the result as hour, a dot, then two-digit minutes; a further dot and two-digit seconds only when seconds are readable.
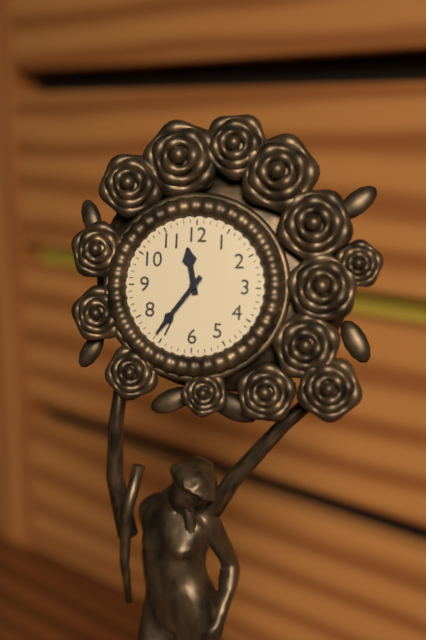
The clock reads 11.36
